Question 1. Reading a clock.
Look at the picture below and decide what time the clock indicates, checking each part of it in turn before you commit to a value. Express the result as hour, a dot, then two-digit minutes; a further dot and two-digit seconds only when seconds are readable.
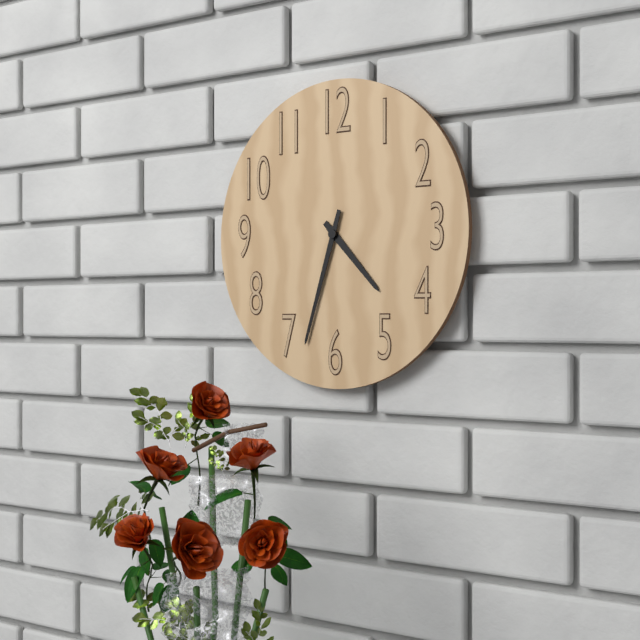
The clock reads 4.33
